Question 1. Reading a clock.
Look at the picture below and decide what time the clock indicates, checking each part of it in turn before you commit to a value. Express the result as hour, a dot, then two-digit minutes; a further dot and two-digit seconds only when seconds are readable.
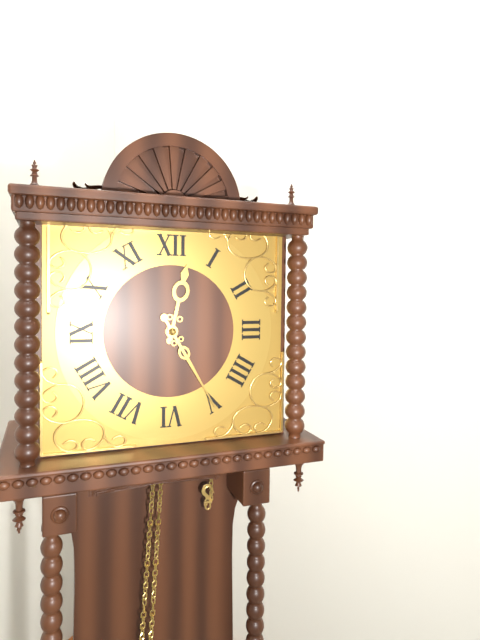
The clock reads 12.25
